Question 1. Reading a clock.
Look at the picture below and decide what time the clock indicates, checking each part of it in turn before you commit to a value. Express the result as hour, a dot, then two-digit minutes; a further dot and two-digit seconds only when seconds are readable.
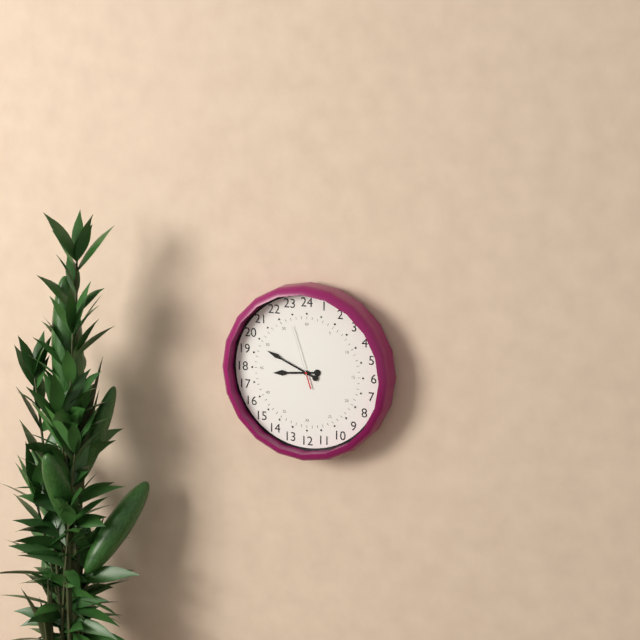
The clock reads 8.49.57
